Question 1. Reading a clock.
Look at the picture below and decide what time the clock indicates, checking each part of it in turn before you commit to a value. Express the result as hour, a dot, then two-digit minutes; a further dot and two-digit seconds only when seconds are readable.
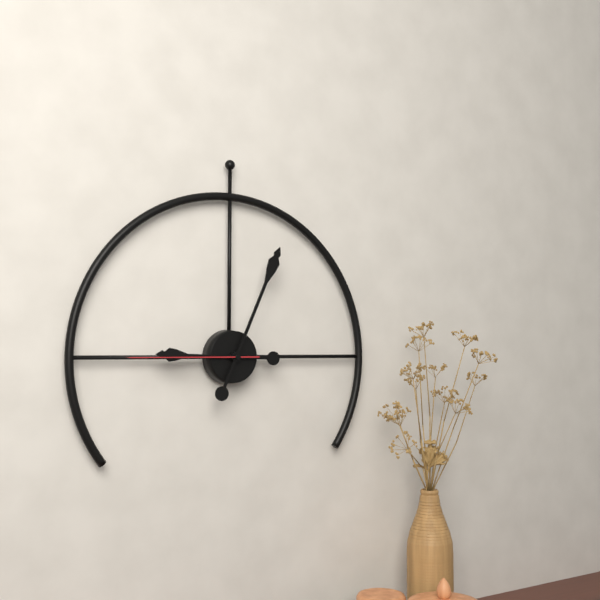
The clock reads 9.04.45
